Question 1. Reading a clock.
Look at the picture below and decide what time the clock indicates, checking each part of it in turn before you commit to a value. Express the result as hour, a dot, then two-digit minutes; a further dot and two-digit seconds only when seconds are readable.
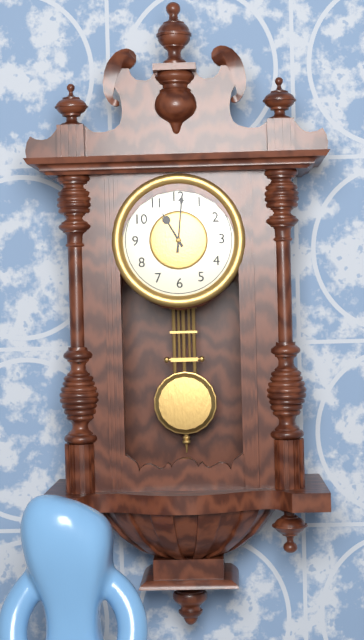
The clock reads 11.01
